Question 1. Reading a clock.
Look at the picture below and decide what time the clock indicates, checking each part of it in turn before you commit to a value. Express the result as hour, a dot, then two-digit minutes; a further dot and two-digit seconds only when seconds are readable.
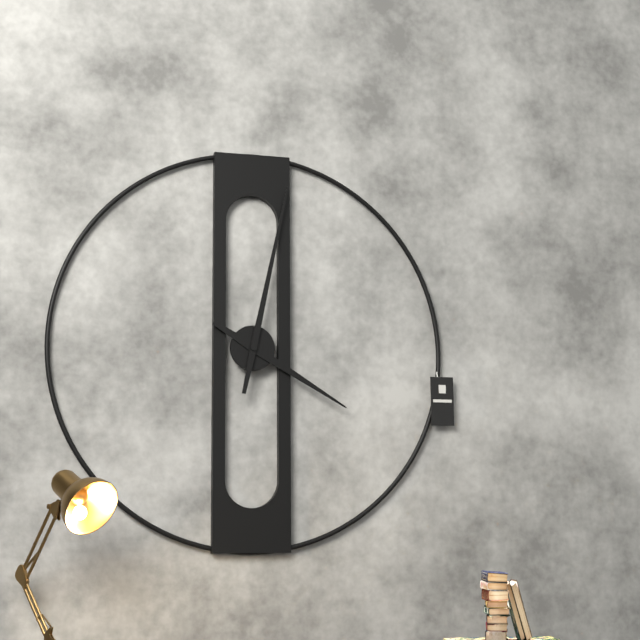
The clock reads 4.02
